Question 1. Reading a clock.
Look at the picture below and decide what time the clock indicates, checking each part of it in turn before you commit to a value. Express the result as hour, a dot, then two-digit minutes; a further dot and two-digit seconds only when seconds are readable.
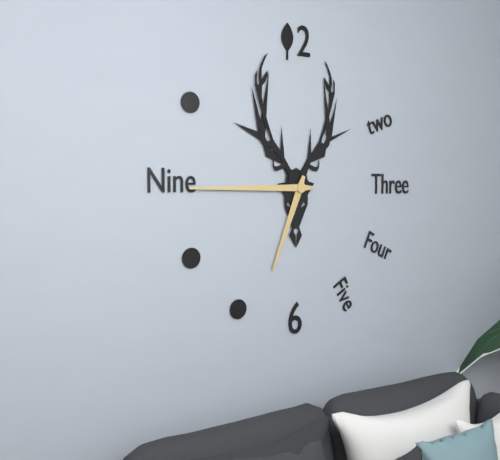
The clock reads 6.45
